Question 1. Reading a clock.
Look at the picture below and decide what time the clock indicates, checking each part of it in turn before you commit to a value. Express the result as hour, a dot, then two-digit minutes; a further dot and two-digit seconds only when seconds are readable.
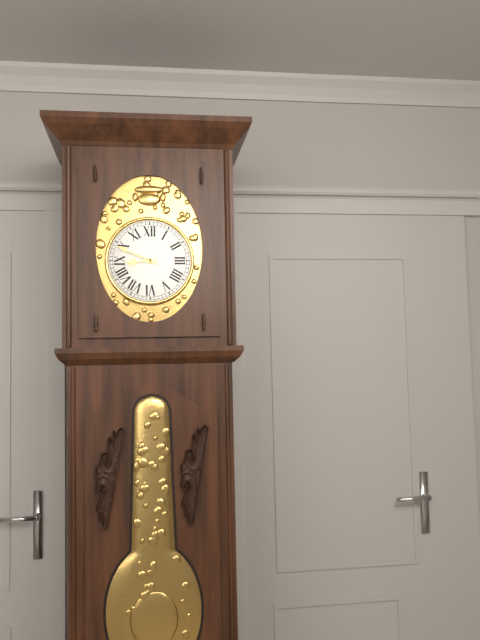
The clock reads 8.49
